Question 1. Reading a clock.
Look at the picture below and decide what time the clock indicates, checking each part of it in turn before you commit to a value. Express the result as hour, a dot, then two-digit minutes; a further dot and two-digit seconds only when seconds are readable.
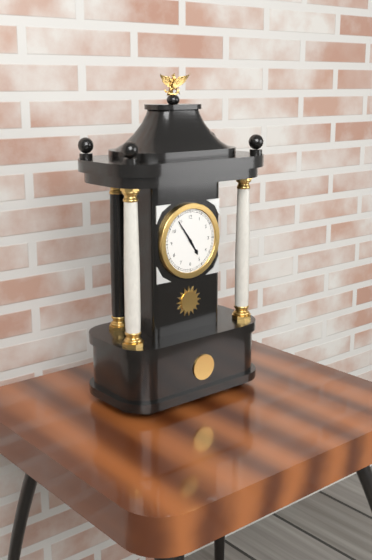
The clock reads 4.54
